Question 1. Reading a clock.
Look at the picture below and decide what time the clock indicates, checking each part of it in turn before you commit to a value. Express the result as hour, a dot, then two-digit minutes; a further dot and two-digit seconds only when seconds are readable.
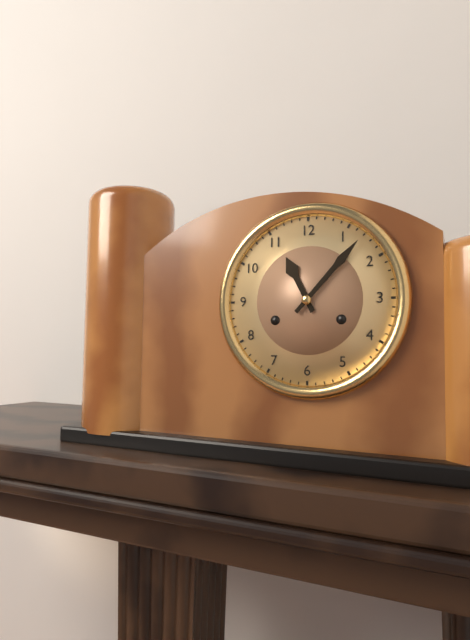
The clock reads 11.07
